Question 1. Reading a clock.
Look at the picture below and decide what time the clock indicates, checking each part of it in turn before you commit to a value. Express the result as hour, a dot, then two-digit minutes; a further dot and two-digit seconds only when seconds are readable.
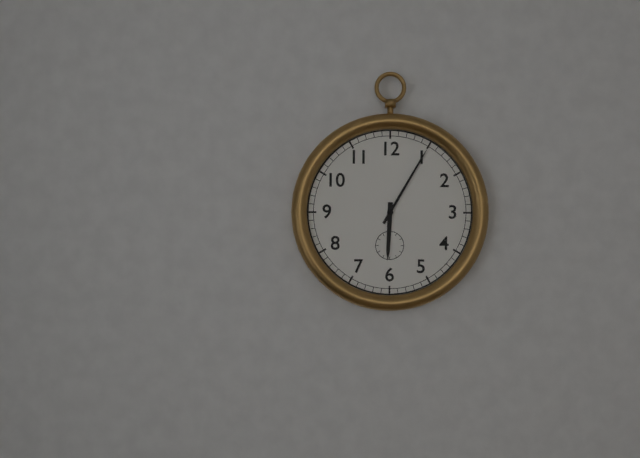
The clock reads 6.05
